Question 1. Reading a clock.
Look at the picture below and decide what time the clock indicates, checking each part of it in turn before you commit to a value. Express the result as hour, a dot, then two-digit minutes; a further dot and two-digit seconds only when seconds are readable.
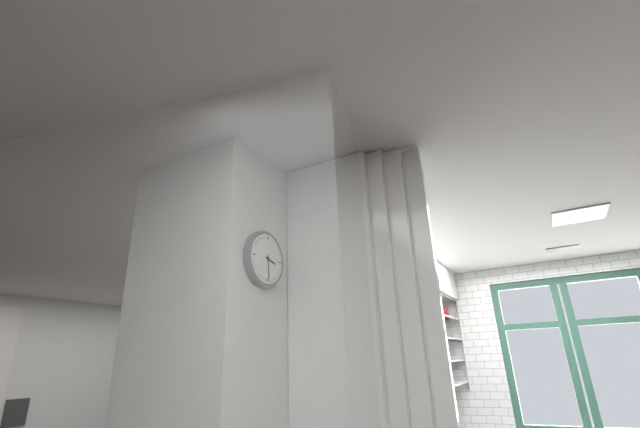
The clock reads 3.29
